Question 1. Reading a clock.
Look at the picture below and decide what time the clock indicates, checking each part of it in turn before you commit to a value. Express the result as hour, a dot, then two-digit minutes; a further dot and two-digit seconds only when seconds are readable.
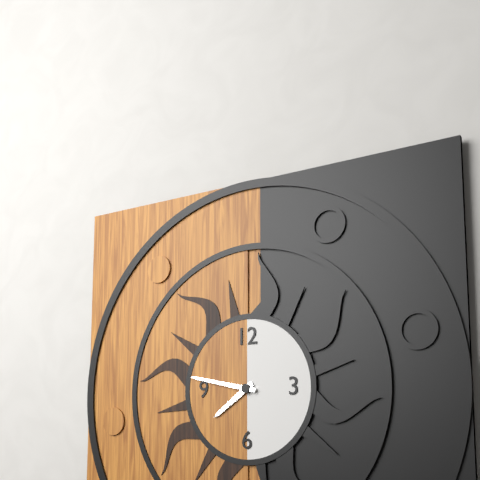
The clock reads 7.47
